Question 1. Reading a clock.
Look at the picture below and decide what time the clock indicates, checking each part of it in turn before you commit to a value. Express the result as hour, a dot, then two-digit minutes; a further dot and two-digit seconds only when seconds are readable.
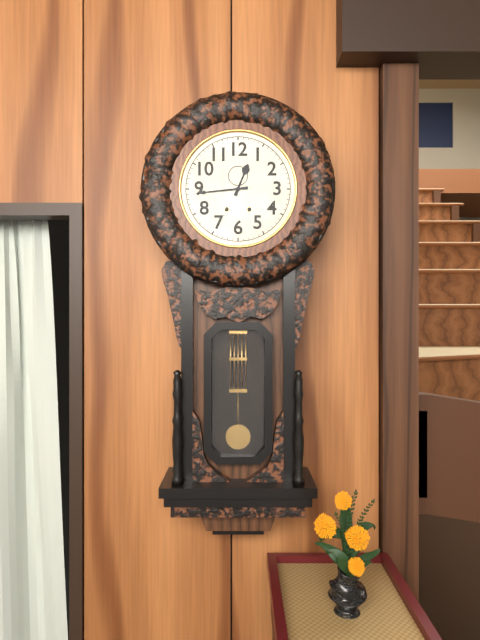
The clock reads 12.44
